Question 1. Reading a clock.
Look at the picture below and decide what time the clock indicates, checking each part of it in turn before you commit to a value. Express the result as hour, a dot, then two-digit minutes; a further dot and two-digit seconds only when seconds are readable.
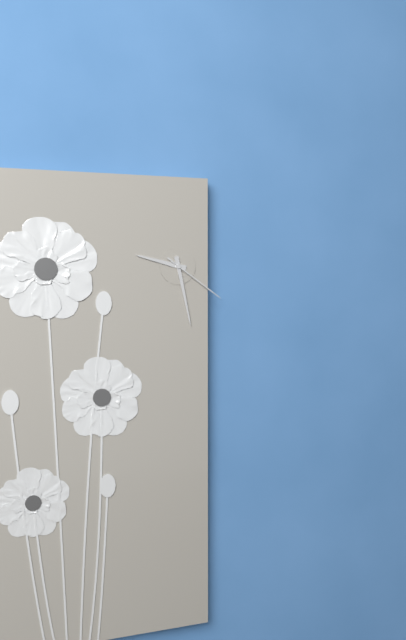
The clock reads 9.28.21
